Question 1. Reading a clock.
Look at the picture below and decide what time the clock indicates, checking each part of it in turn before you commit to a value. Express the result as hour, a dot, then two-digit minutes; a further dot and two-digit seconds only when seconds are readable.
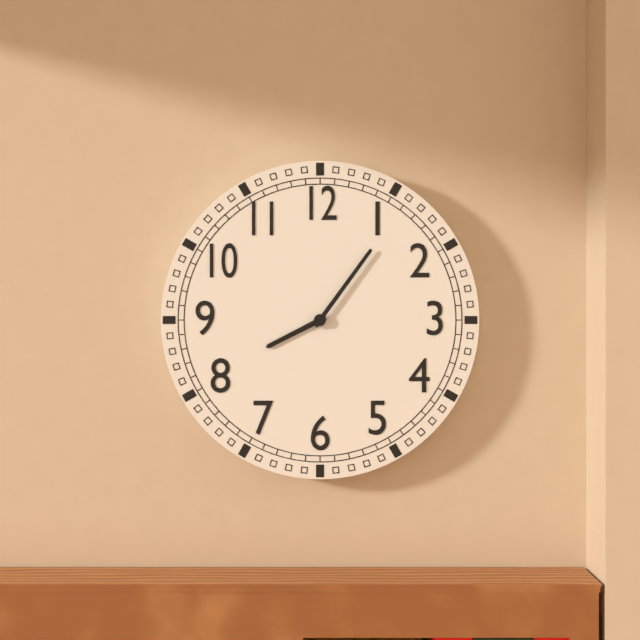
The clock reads 8.06
